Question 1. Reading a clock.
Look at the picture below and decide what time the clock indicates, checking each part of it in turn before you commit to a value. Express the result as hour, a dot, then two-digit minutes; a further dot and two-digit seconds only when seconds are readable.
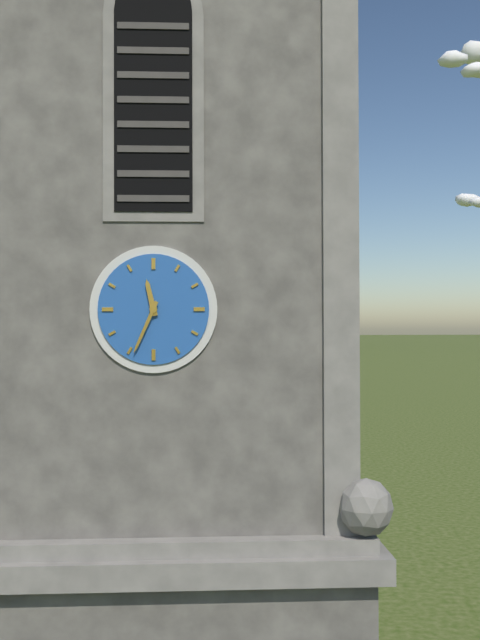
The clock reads 11.34
